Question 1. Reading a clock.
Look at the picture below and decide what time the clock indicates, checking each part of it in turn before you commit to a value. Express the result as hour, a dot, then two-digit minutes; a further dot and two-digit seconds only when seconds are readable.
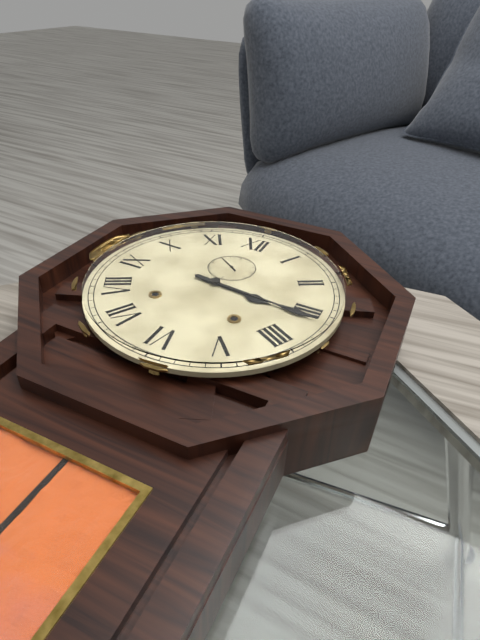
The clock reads 3.16.51
